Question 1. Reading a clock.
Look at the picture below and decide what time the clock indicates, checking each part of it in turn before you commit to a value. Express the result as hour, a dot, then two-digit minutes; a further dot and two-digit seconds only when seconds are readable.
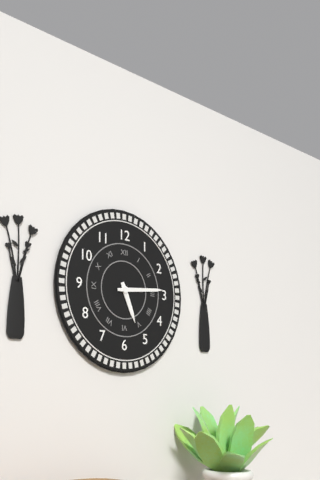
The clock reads 5.14
